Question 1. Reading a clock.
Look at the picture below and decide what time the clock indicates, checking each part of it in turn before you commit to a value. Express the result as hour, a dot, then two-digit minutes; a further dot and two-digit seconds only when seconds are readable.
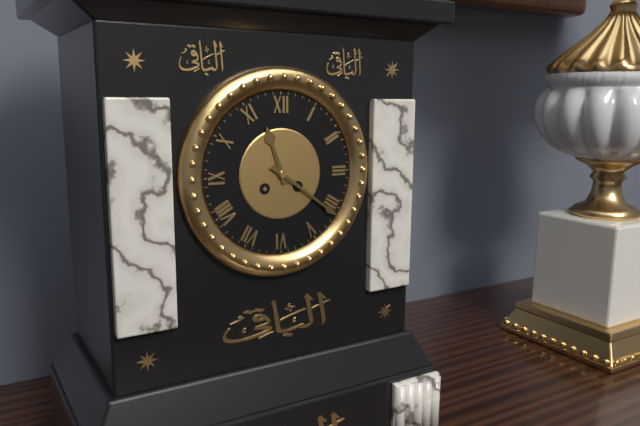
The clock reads 11.21
